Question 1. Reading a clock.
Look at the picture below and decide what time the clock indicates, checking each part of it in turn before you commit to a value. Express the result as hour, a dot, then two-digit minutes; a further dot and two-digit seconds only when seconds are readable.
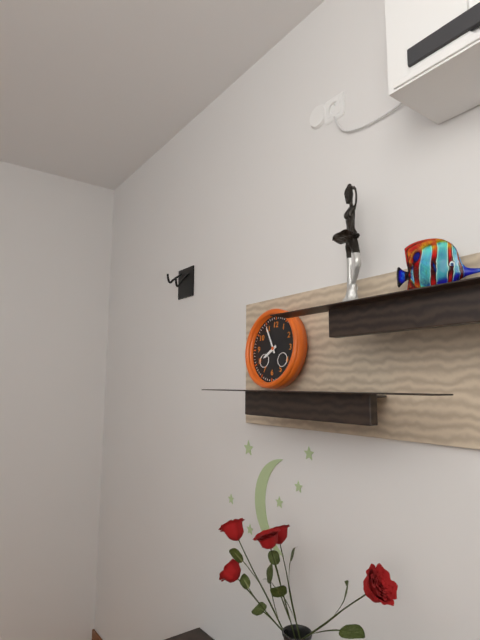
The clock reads 7.55
